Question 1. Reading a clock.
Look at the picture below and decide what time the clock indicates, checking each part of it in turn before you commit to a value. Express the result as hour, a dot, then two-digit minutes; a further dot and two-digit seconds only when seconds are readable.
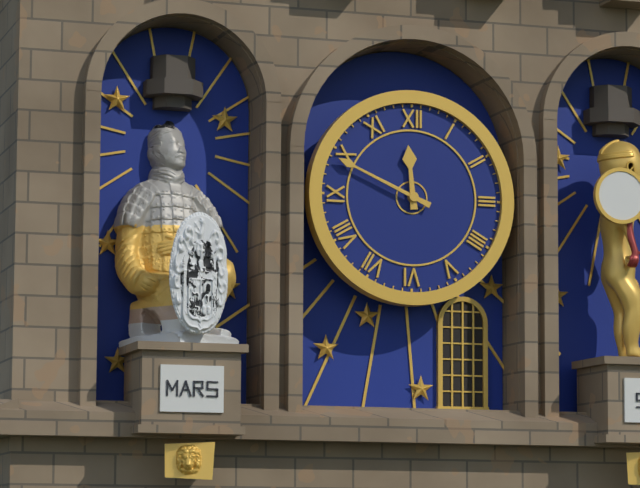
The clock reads 11.49
